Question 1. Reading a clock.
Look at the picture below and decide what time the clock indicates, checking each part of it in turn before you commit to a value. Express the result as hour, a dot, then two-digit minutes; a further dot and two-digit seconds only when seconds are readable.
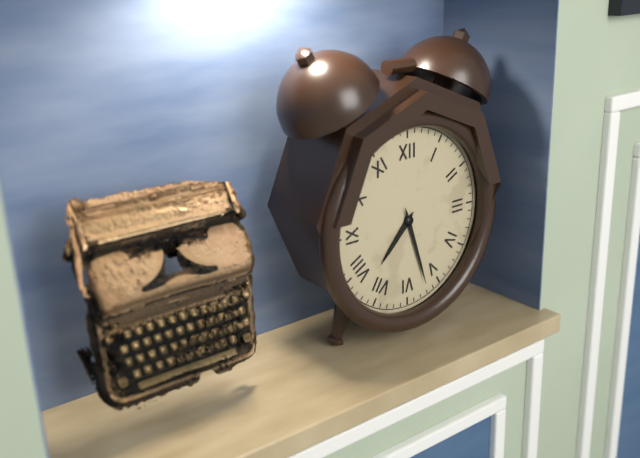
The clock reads 7.27
